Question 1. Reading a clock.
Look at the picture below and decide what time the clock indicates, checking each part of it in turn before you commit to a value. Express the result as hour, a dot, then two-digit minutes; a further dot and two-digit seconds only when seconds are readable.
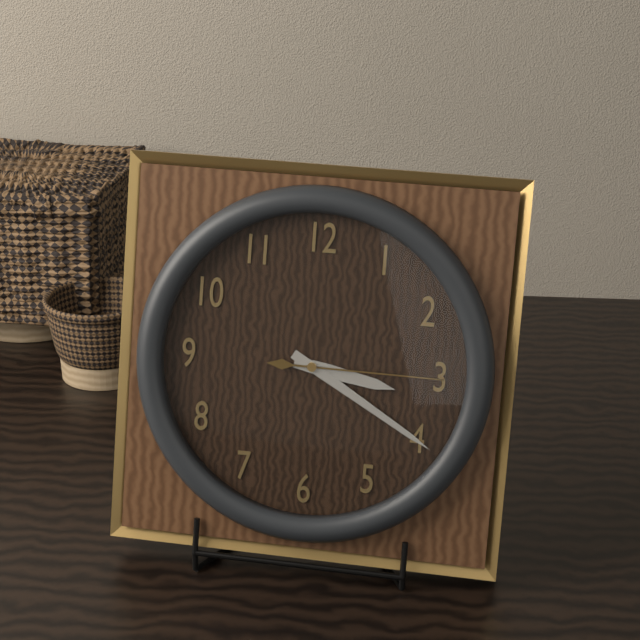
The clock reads 3.20.15
